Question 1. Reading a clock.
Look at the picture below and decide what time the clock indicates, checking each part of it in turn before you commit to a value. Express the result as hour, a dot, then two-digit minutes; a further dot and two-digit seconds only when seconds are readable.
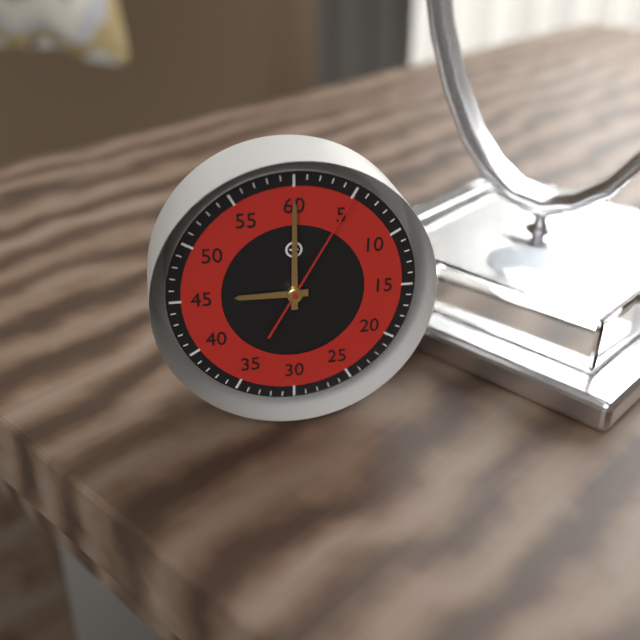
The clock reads 9.00.05
